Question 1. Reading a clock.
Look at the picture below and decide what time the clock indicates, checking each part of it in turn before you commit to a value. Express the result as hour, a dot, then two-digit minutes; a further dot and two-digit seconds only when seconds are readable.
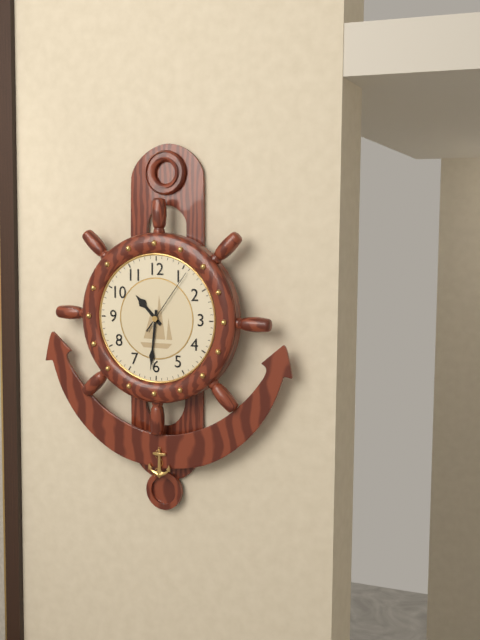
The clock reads 10.31.06
